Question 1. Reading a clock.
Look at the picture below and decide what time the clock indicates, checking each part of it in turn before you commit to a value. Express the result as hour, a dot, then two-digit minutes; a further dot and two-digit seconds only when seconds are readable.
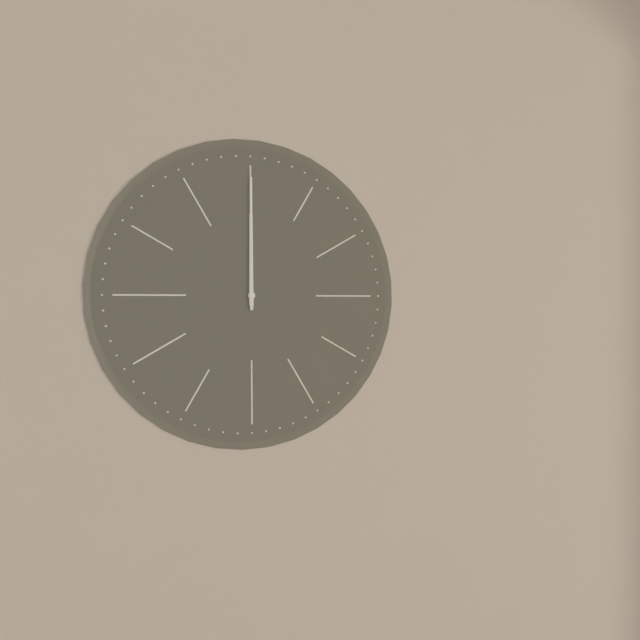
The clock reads 12.00
